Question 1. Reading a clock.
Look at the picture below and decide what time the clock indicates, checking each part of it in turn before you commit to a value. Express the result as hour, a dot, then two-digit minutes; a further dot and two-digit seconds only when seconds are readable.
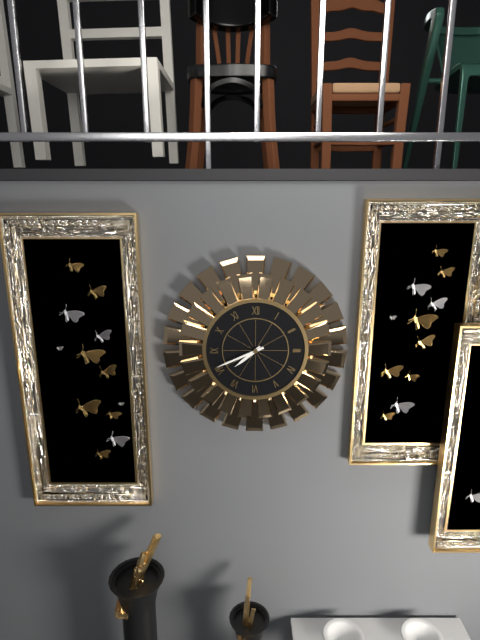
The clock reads 7.41
